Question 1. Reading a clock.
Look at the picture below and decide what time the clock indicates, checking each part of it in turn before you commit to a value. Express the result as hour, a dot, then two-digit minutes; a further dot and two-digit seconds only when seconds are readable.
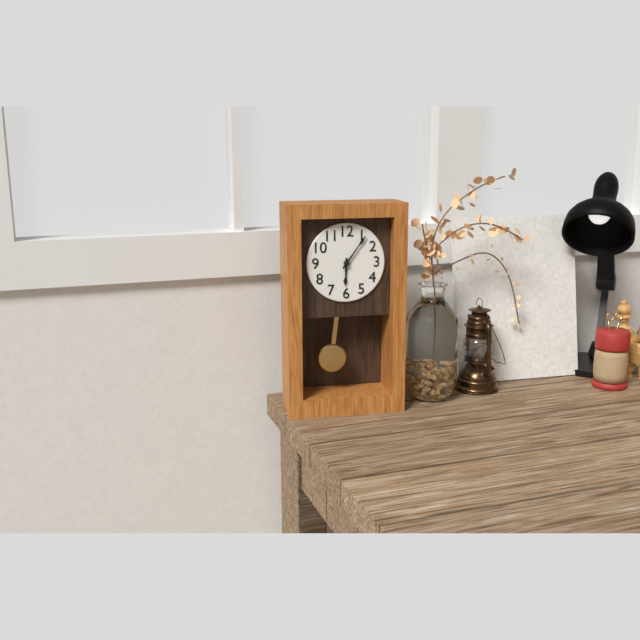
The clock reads 6.06
